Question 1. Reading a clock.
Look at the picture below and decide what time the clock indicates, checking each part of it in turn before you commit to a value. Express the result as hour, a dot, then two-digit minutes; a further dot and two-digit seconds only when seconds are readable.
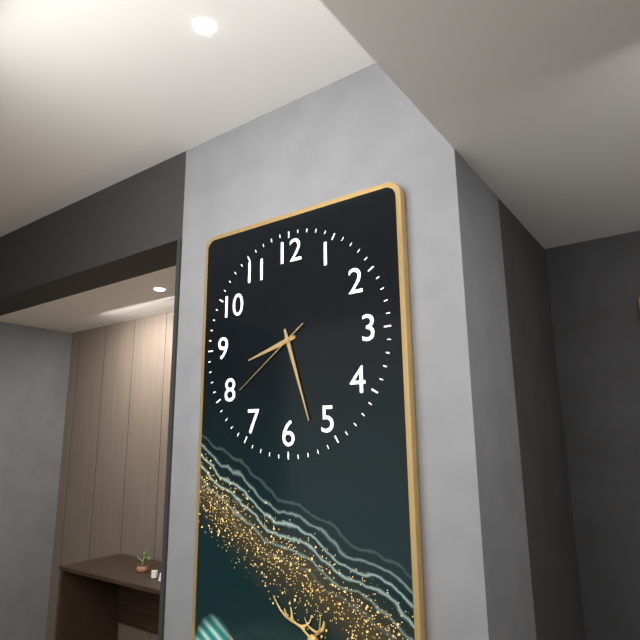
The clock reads 8.27.39
